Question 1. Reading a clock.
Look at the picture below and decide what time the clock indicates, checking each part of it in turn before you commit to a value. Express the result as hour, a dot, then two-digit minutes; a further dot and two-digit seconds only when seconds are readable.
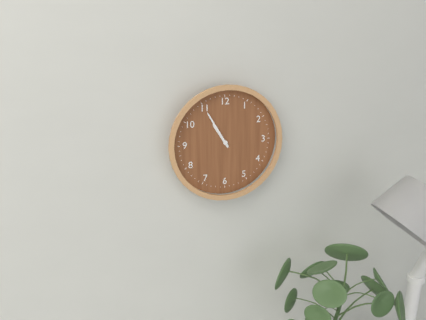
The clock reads 10.55
